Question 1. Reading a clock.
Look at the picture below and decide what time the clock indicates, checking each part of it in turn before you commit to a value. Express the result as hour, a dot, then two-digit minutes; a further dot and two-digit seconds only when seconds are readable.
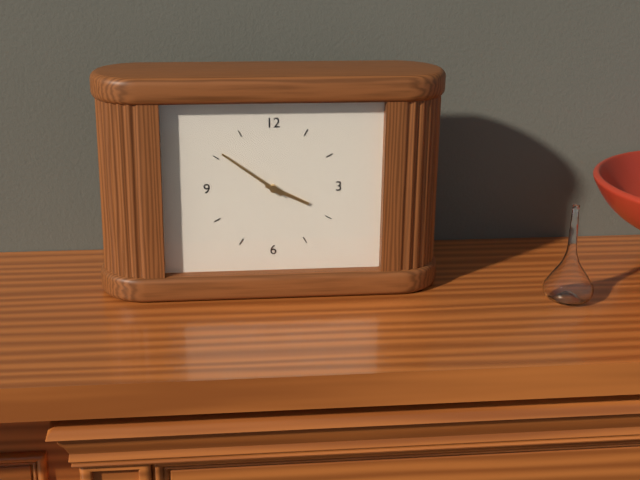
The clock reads 3.51
